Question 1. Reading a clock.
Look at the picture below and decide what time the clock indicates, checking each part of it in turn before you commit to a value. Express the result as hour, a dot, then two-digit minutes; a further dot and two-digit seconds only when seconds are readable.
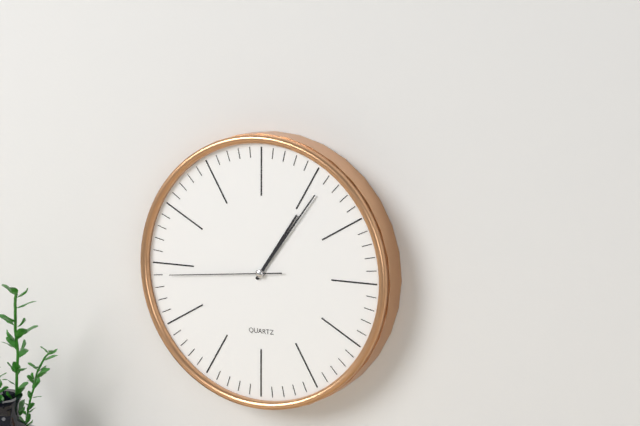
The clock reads 1.06.44
